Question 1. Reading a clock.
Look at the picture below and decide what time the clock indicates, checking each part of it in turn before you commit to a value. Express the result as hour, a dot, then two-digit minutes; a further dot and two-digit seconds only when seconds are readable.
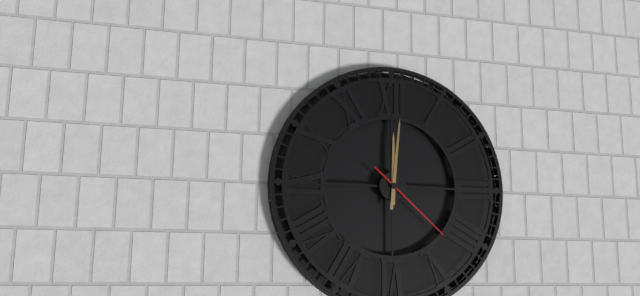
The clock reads 12.01.22
